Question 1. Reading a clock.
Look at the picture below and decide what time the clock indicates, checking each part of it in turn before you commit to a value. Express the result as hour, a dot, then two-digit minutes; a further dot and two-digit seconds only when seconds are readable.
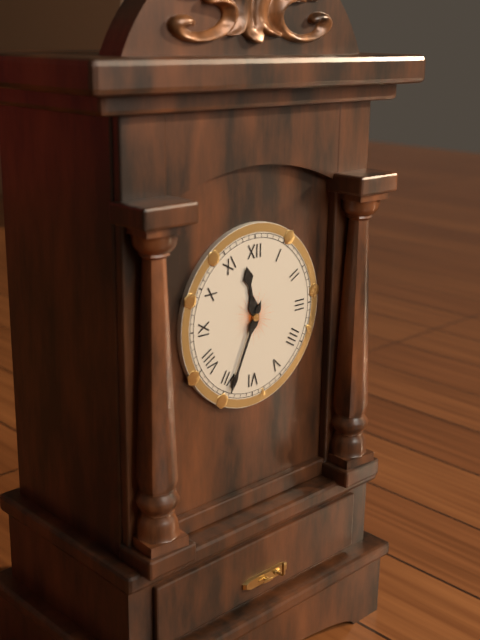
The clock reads 11.34
